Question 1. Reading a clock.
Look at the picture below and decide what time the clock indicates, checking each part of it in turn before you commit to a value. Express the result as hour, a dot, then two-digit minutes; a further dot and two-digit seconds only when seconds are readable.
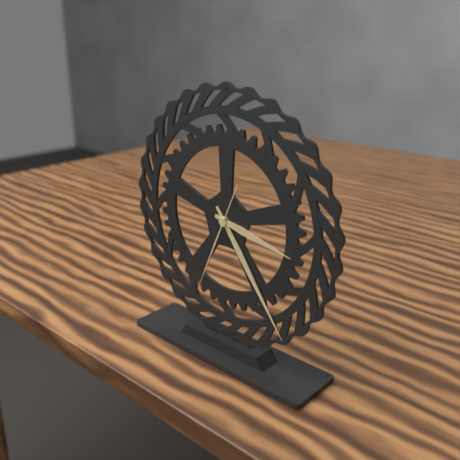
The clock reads 3.24.34
